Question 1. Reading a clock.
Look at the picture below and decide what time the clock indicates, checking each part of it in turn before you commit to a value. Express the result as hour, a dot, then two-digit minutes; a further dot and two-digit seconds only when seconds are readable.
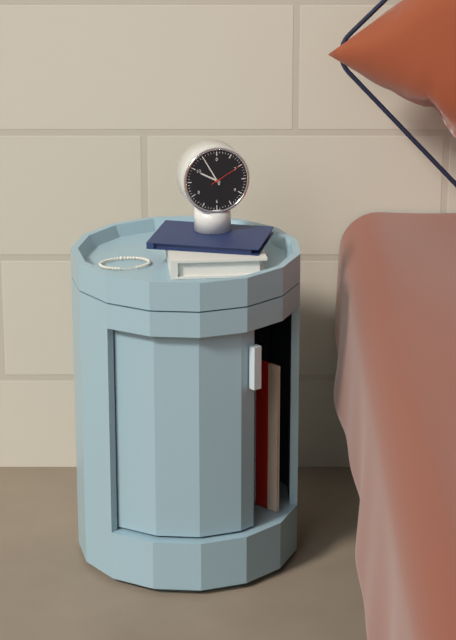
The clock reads 9.55
